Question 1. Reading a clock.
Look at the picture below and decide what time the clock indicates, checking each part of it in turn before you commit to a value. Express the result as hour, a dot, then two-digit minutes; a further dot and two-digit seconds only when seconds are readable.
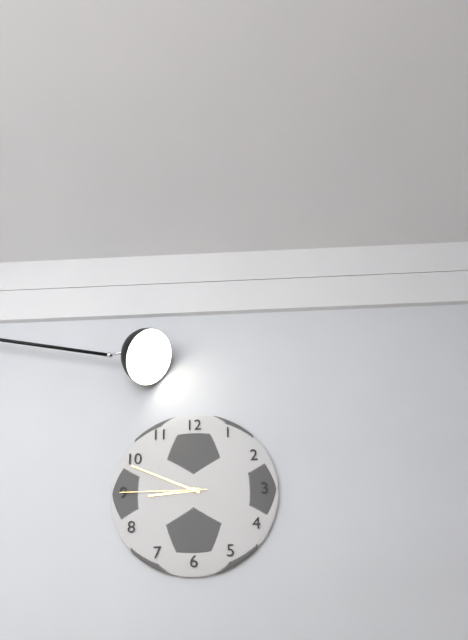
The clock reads 8.49.45
